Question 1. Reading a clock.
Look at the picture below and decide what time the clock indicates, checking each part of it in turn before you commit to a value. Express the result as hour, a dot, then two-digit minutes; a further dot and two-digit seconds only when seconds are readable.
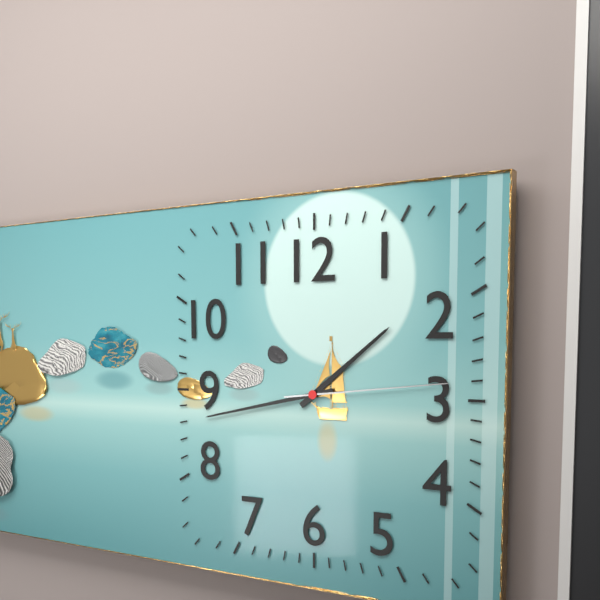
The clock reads 1.43.14
